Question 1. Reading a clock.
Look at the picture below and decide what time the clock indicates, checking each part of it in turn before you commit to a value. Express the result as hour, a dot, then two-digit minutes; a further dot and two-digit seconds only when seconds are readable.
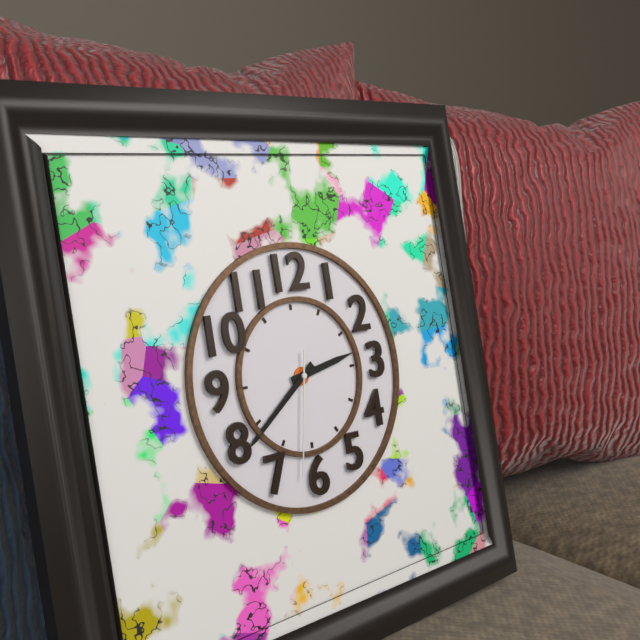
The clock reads 2.39.32
